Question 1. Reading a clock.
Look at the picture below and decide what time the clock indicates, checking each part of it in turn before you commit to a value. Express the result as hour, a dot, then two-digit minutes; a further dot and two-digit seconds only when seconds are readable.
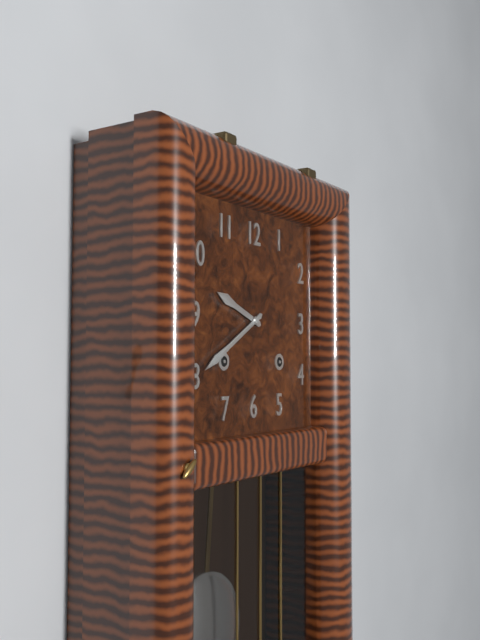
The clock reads 9.40
